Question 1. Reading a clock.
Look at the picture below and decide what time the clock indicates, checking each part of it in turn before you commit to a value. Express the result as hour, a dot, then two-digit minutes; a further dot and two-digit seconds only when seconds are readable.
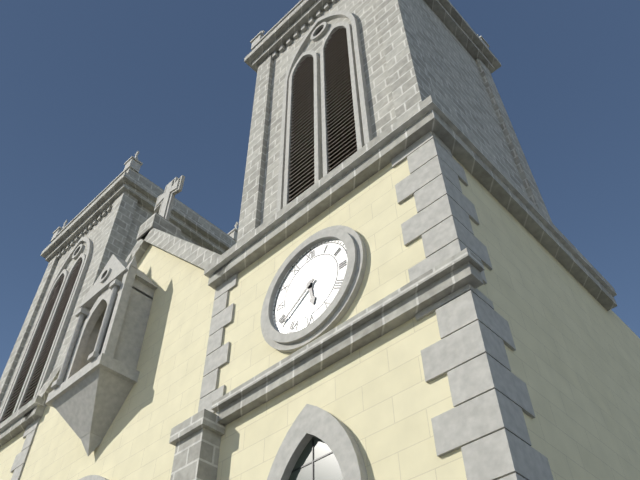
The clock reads 5.39
